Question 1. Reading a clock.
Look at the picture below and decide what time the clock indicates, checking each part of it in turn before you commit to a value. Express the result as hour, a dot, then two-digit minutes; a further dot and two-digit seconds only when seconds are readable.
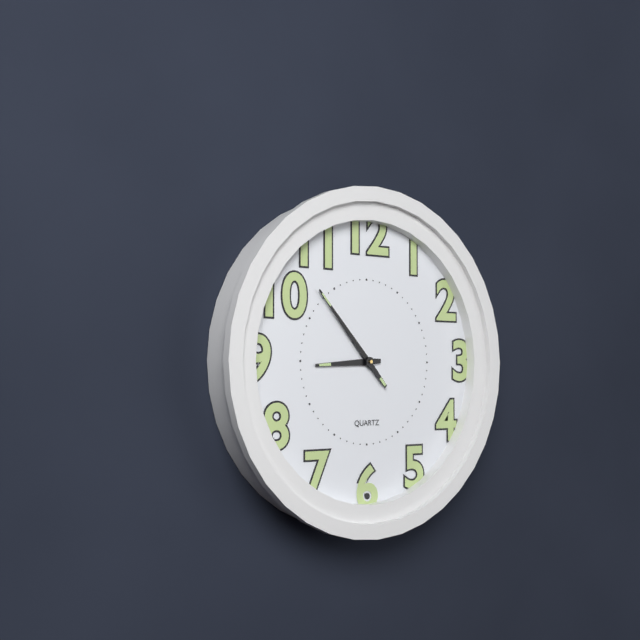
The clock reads 8.53
